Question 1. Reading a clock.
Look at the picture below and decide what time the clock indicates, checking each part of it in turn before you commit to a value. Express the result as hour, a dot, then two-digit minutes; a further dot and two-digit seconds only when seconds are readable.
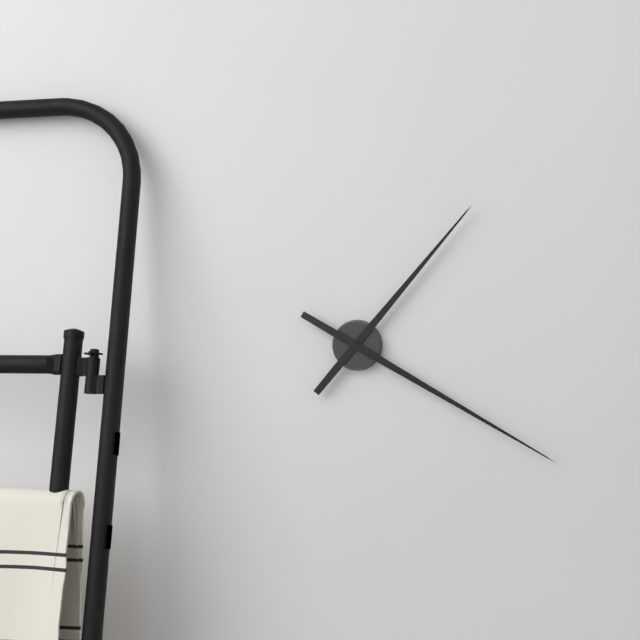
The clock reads 1.20
